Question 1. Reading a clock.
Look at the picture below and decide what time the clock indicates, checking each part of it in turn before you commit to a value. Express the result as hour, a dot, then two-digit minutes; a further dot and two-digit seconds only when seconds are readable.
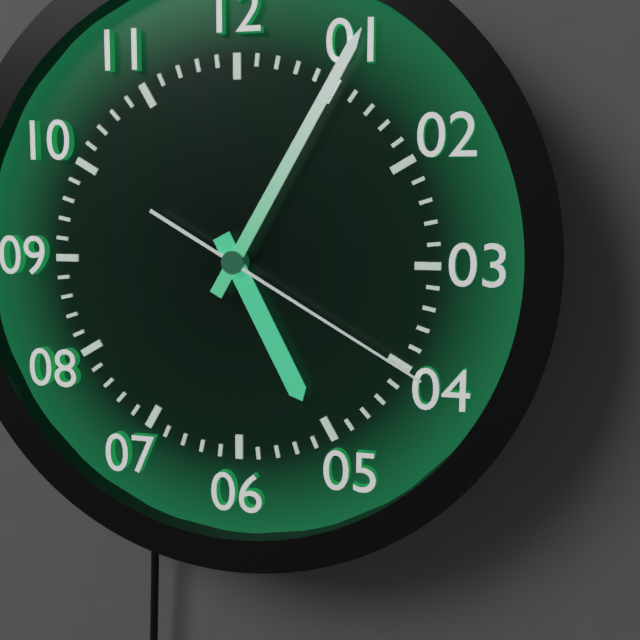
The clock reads 5.05.20
